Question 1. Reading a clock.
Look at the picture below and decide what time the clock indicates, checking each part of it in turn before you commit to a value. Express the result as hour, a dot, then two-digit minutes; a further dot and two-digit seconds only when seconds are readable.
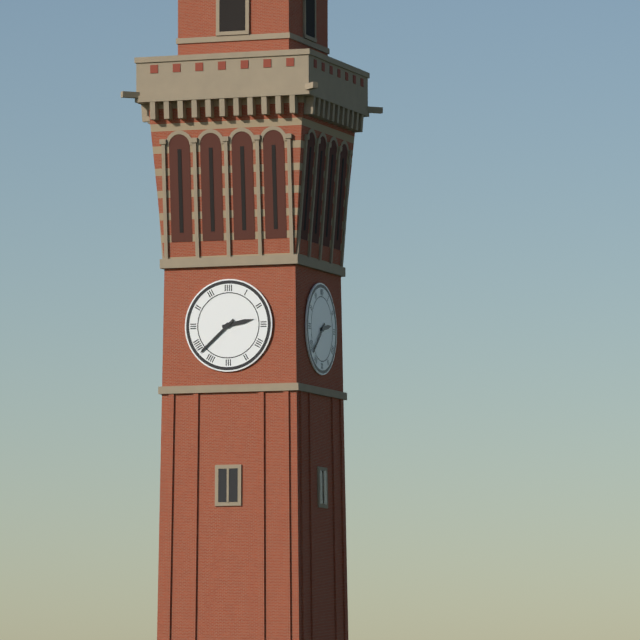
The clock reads 2.38
